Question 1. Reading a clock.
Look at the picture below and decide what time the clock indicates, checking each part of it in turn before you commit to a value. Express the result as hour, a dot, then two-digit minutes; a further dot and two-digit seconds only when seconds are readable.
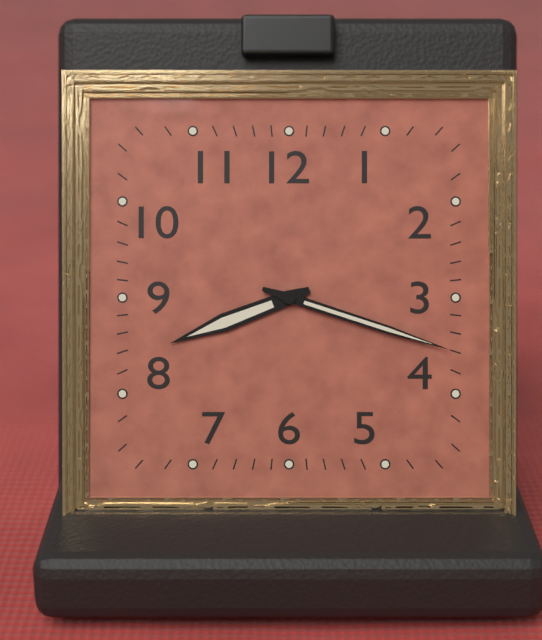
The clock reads 8.18
